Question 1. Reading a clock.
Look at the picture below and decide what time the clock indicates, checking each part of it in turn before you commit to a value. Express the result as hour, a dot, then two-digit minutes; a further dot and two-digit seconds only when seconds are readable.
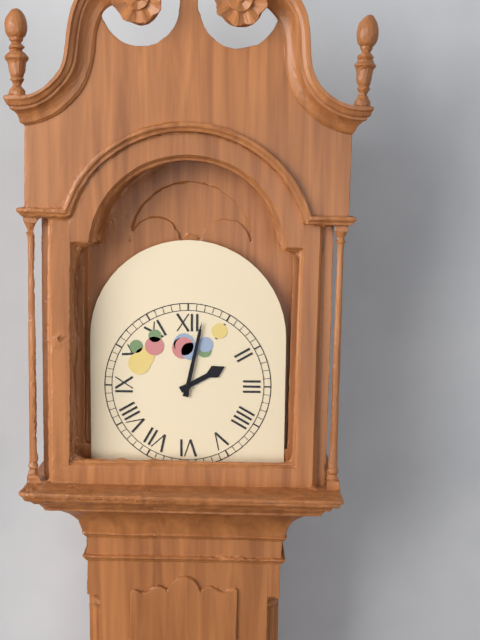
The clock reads 2.02
